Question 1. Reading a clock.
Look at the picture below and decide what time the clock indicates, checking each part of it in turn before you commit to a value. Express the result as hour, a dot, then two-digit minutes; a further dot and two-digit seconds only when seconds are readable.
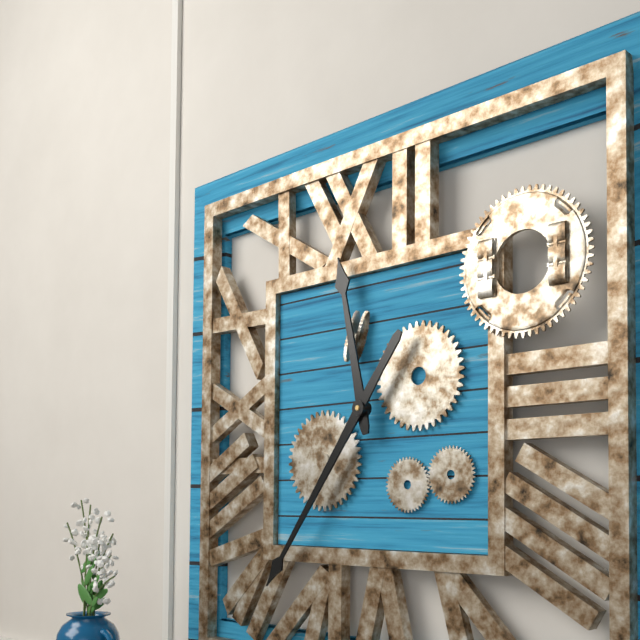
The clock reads 11.36
